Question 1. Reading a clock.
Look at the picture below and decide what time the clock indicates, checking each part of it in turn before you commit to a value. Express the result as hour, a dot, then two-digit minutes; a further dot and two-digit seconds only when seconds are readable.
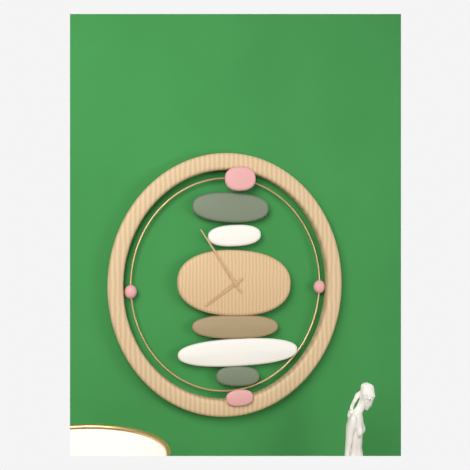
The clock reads 7.54
